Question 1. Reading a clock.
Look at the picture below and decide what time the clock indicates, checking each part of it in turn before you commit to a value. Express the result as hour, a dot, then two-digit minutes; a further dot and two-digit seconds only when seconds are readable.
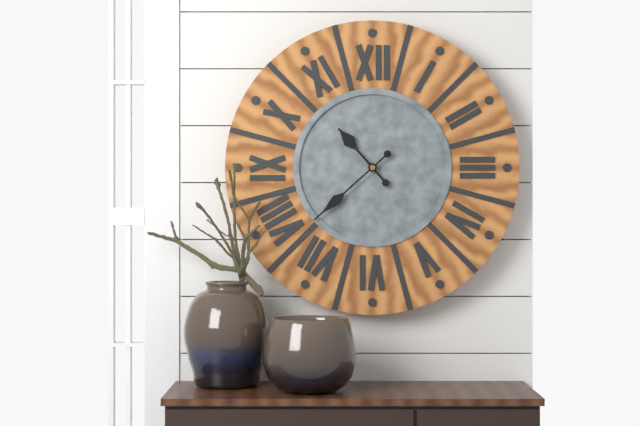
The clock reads 10.38
